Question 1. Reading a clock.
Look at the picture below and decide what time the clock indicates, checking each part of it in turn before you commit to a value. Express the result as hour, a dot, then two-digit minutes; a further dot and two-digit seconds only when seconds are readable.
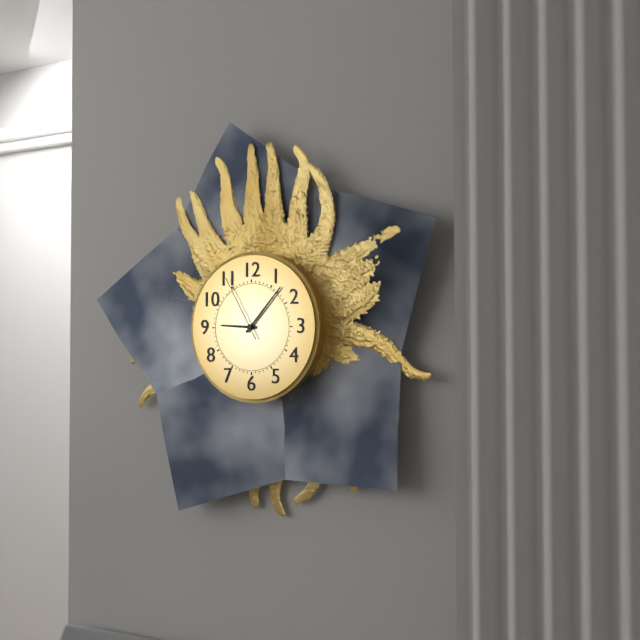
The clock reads 9.07.55
